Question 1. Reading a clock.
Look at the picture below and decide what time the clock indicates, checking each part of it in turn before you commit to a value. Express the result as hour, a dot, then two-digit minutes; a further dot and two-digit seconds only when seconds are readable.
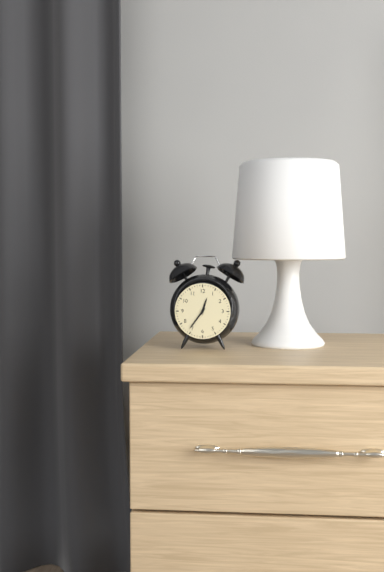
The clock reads 12.36
